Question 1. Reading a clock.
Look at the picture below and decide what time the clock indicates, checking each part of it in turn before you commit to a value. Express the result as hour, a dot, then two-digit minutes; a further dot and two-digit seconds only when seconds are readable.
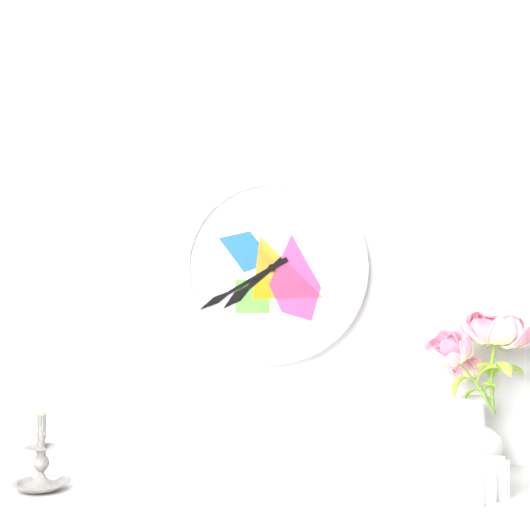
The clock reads 7.40
